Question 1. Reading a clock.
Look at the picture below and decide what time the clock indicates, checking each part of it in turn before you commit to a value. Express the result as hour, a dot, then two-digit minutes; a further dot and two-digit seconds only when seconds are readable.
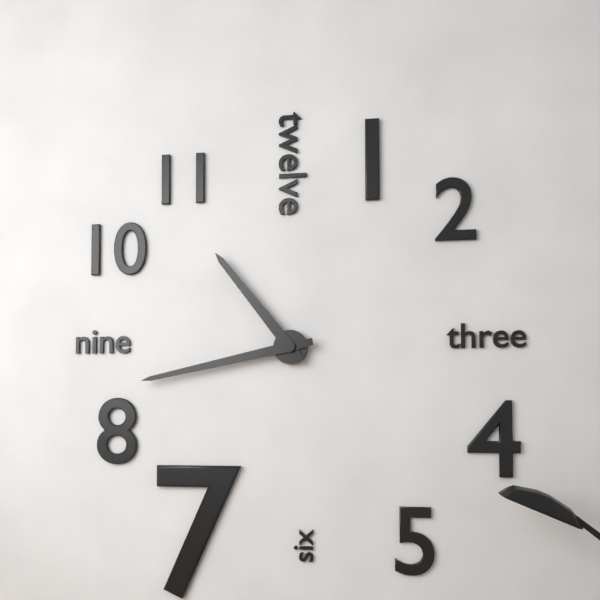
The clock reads 10.43
